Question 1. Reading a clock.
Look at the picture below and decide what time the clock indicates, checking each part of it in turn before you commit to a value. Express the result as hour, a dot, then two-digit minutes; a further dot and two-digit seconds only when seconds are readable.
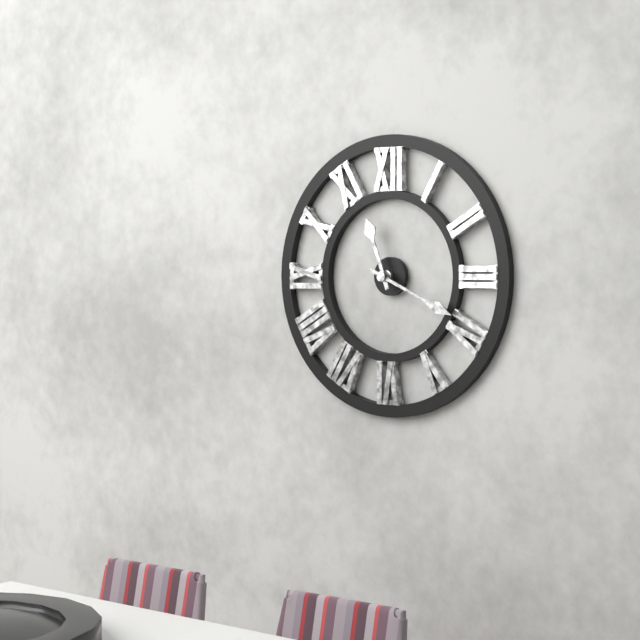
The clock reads 11.19
